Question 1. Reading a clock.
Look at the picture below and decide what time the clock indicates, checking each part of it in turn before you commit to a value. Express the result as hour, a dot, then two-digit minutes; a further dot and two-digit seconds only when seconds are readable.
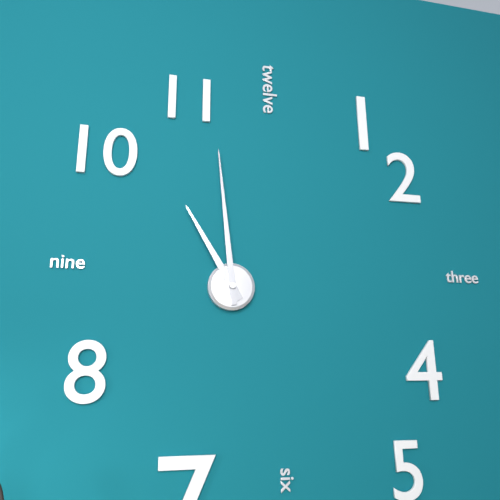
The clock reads 10.59
